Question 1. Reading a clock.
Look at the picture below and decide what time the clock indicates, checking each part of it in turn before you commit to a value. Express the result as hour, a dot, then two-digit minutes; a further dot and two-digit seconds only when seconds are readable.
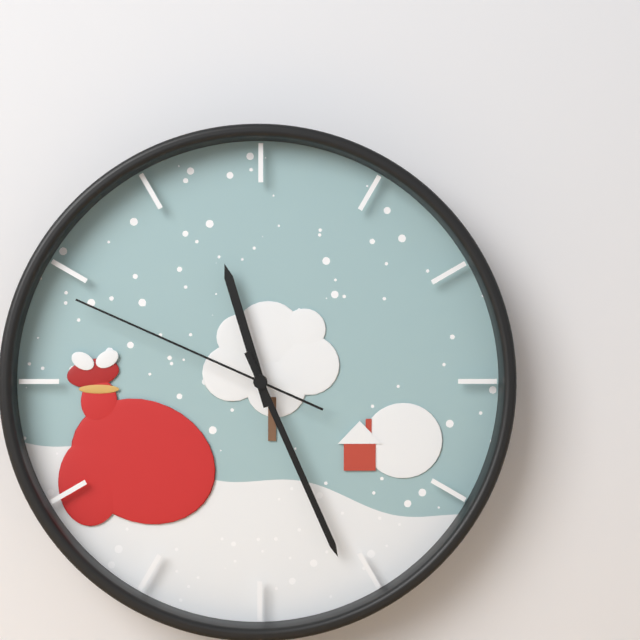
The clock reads 11.26.49
